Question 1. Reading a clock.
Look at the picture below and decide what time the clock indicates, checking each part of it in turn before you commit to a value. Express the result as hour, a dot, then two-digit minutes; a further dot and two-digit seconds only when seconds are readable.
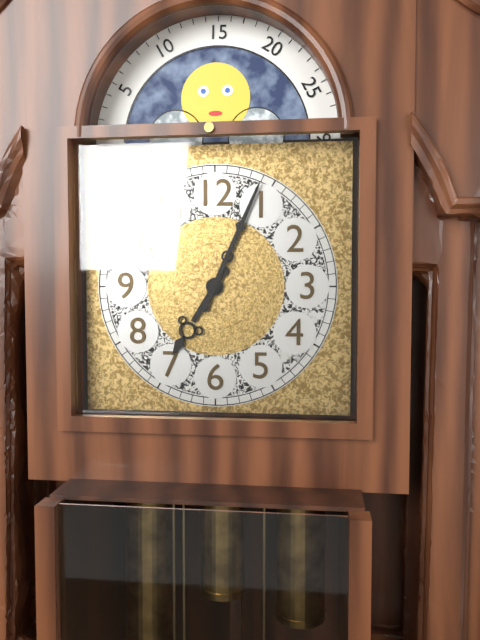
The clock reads 7.04
